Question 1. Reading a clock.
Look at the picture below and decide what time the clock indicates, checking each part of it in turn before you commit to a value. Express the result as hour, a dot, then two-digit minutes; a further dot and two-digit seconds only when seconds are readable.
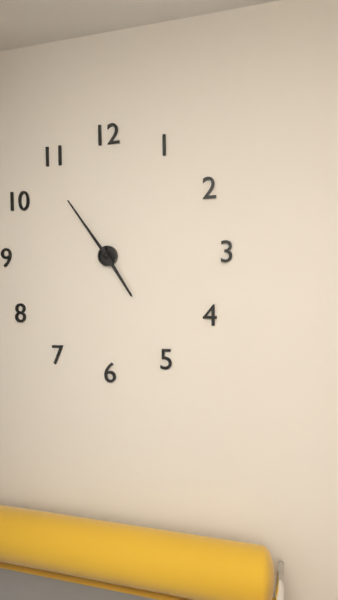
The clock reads 4.54
